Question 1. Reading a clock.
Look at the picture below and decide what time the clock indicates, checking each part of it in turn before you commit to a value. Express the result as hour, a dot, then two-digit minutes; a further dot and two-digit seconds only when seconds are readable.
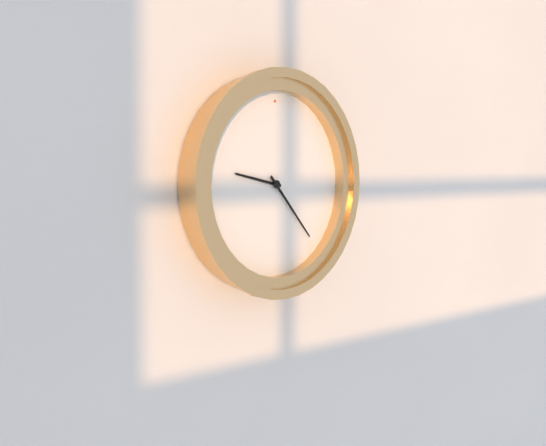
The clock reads 9.23
